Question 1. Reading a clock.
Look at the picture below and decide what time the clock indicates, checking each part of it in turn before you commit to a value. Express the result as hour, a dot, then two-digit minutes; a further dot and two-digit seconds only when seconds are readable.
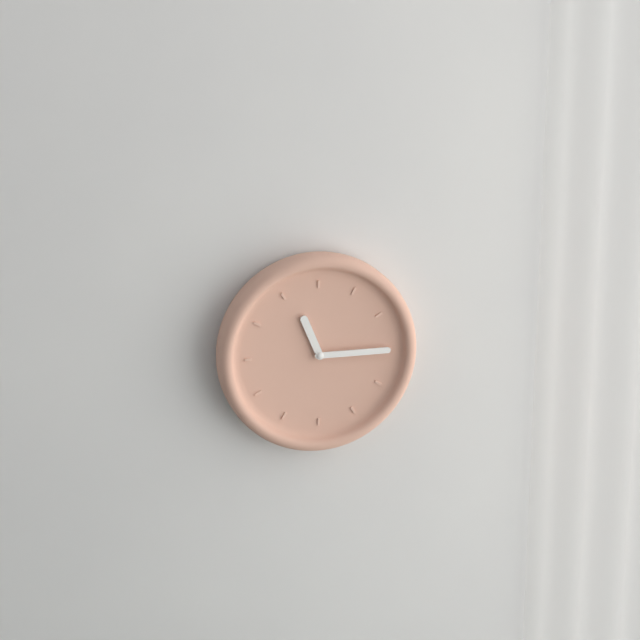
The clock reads 11.15
